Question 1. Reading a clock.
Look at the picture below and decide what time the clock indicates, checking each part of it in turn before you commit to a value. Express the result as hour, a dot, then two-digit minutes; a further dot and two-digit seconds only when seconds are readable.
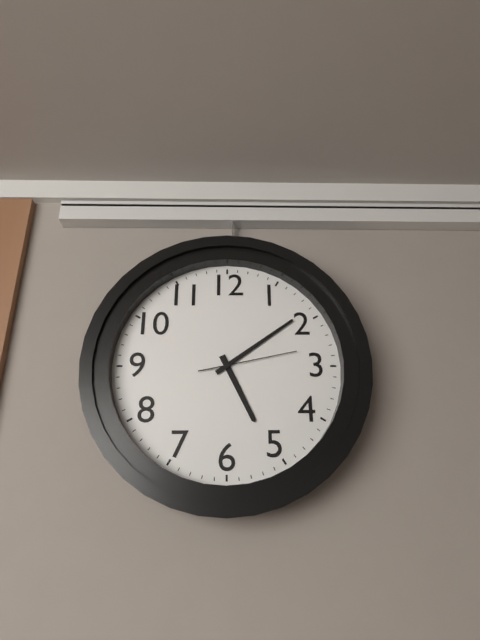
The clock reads 5.09.13
